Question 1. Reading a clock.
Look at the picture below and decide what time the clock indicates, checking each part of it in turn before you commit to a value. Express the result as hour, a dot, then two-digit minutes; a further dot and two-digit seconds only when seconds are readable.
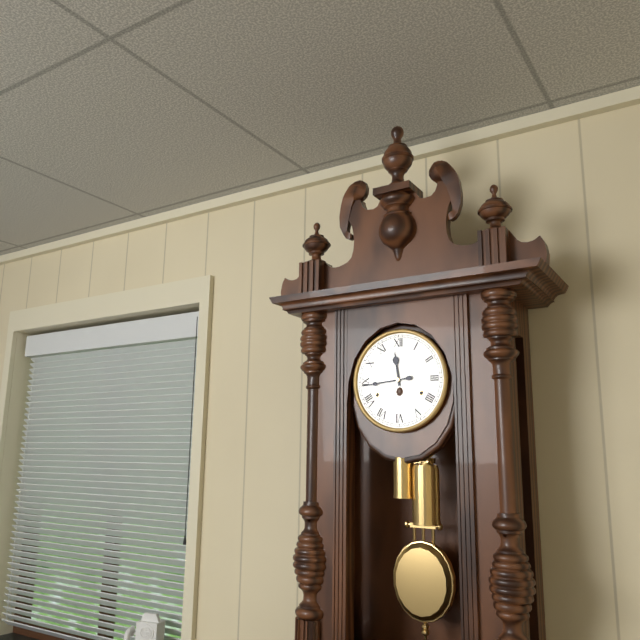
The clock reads 11.44
